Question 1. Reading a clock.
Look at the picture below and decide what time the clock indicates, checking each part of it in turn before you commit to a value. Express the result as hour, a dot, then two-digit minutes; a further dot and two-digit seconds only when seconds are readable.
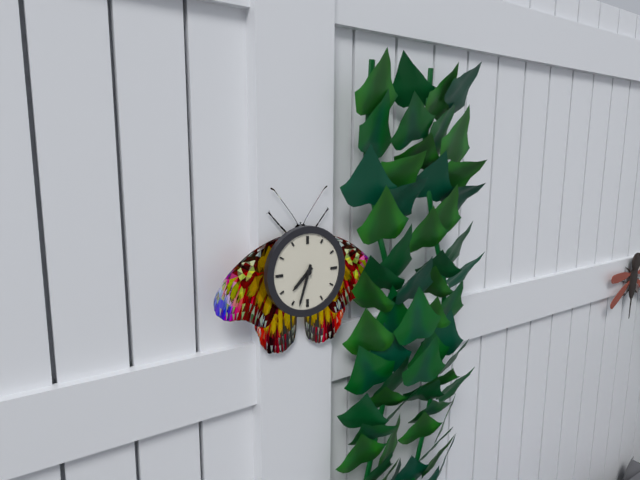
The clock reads 7.33
